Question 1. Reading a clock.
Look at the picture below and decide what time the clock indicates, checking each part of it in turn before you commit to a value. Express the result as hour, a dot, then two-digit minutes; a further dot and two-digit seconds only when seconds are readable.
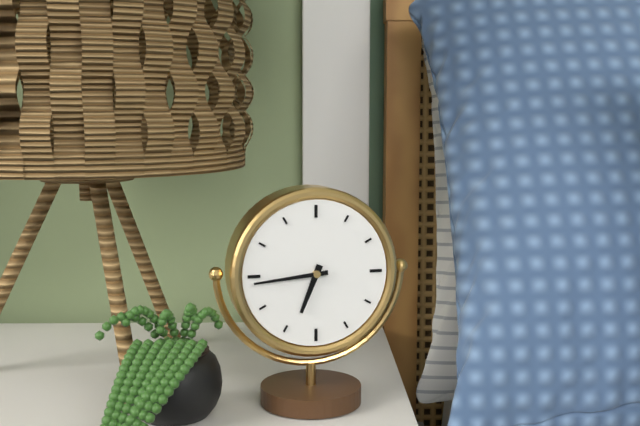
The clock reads 6.44
